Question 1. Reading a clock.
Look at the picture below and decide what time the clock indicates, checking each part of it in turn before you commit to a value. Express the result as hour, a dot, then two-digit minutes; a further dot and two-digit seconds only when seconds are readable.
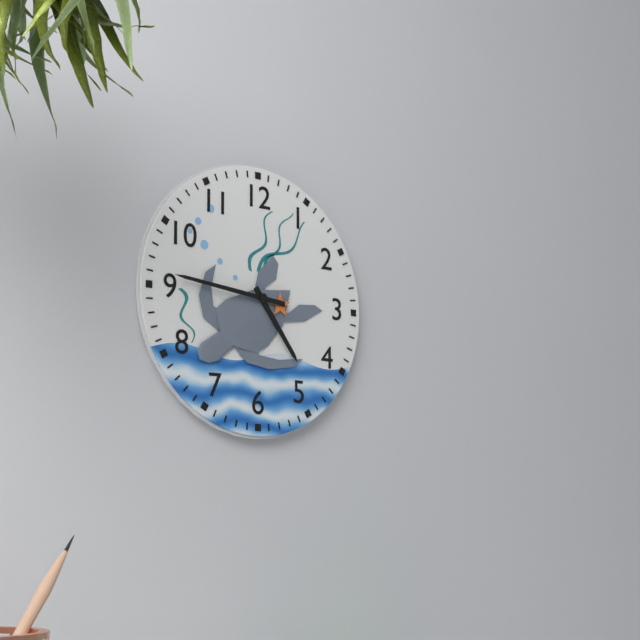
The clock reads 4.46
